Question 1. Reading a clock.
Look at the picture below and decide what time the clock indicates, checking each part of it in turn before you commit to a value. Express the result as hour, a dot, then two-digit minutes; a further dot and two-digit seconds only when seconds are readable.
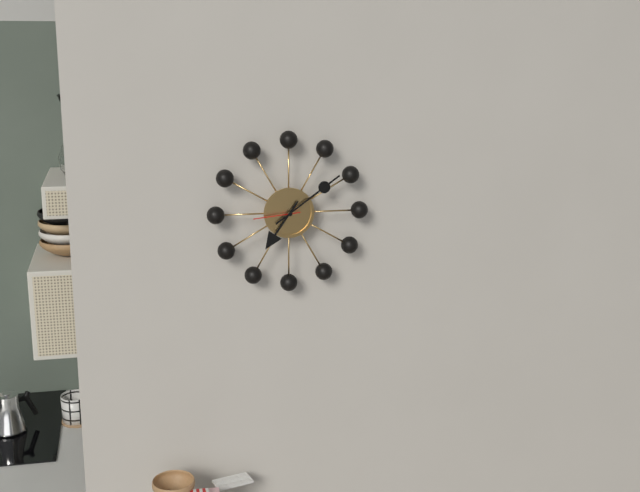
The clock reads 7.09
